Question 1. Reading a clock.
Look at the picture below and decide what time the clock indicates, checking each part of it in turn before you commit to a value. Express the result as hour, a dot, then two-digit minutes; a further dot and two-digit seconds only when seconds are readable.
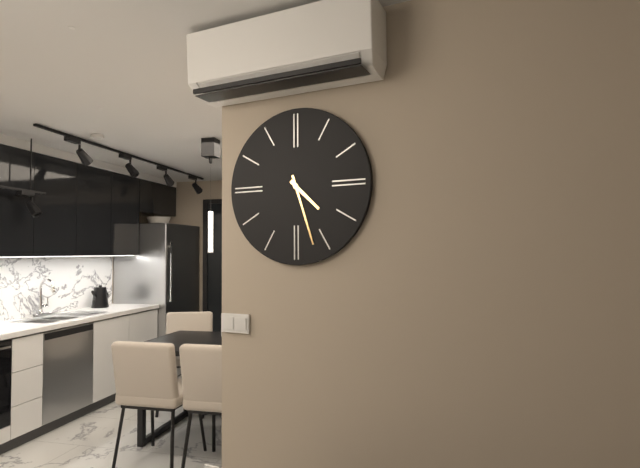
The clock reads 4.27
